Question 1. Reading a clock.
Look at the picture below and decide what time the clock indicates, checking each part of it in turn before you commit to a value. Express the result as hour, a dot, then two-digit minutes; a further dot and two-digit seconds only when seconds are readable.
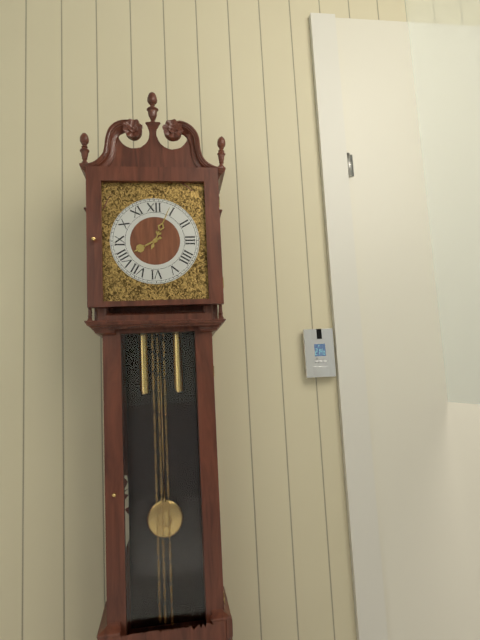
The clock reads 8.04
